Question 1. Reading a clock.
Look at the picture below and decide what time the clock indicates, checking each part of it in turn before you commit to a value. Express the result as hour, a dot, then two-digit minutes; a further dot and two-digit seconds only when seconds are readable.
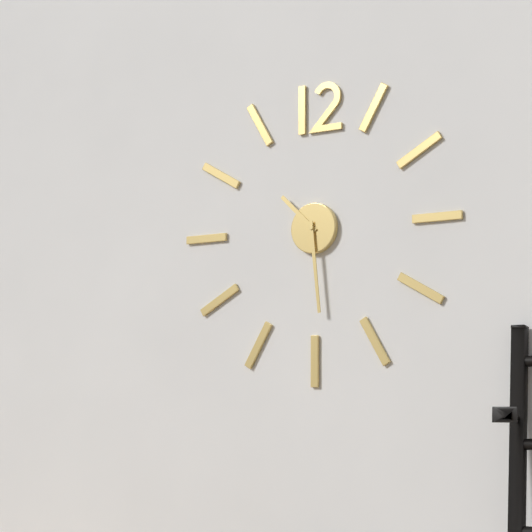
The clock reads 10.29
